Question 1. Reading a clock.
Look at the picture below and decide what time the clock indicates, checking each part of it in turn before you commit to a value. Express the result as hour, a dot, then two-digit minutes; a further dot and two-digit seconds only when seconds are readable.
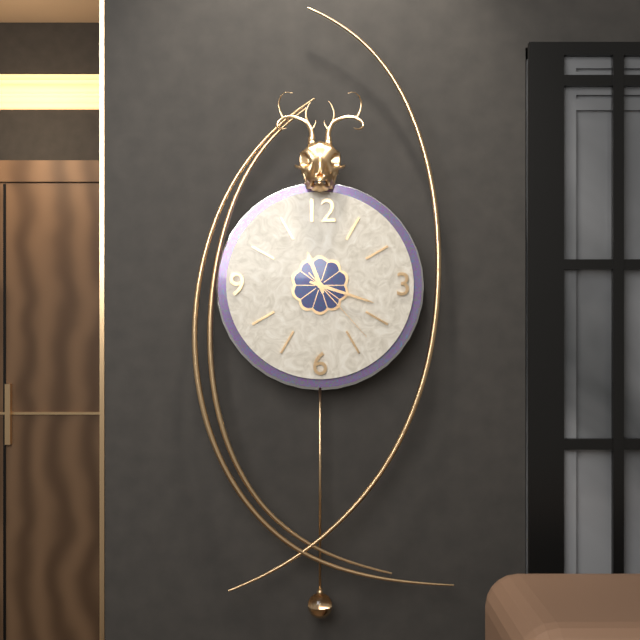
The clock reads 11.18.23
